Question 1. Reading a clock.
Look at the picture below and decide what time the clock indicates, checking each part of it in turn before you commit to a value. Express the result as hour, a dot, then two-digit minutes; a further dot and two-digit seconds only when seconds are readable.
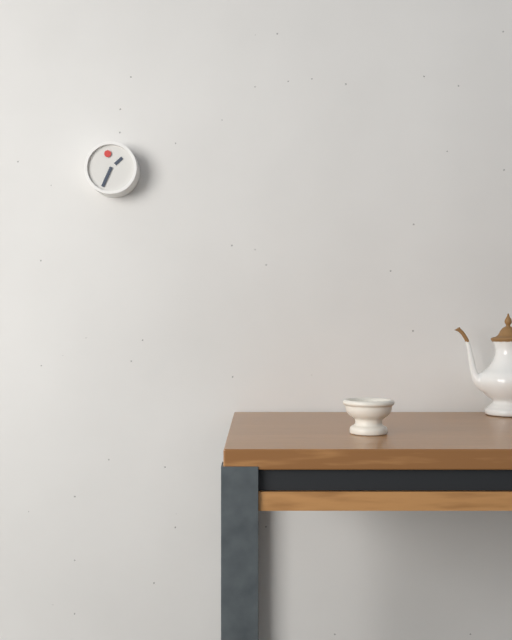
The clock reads 1.34
